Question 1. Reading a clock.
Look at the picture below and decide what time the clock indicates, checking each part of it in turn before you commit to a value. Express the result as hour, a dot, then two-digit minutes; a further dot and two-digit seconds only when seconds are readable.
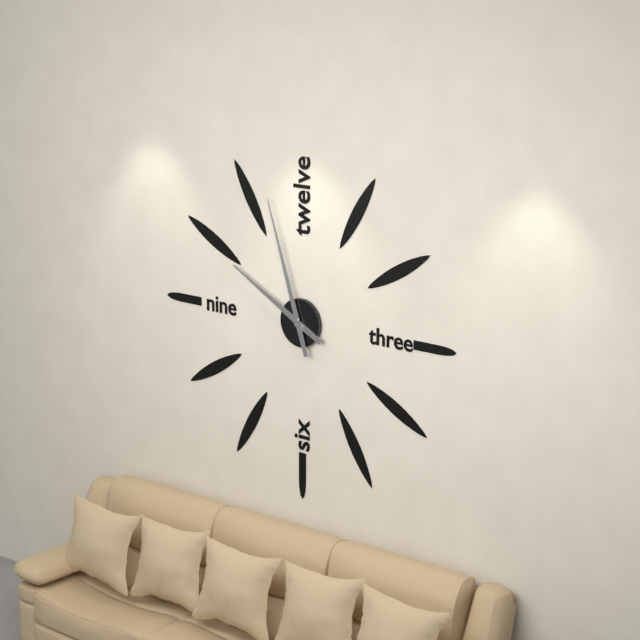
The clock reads 9.57
